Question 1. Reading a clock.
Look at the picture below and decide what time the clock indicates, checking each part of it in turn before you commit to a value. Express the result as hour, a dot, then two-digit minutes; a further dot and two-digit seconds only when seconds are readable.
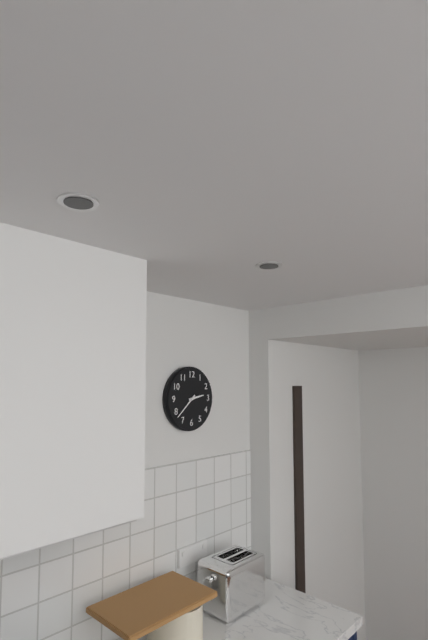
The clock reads 2.38
